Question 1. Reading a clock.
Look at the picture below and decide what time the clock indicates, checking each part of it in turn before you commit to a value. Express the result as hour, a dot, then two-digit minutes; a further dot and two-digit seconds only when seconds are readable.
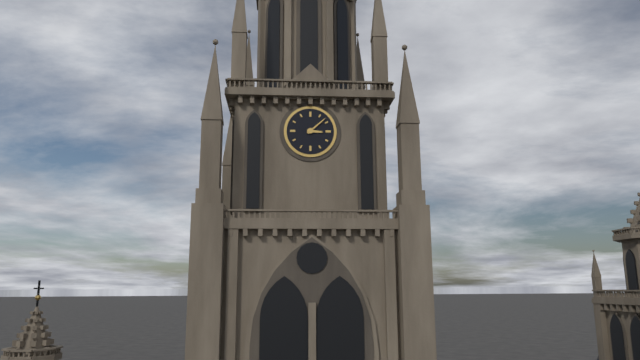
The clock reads 3.08
